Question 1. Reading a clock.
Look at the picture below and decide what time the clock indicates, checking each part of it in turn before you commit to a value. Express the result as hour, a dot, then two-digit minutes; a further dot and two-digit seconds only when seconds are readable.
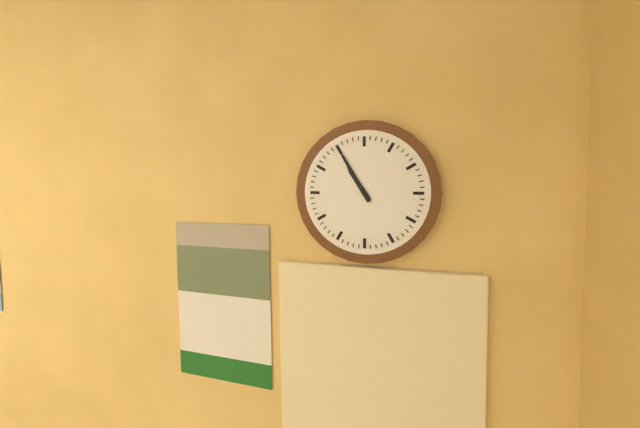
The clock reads 10.55
